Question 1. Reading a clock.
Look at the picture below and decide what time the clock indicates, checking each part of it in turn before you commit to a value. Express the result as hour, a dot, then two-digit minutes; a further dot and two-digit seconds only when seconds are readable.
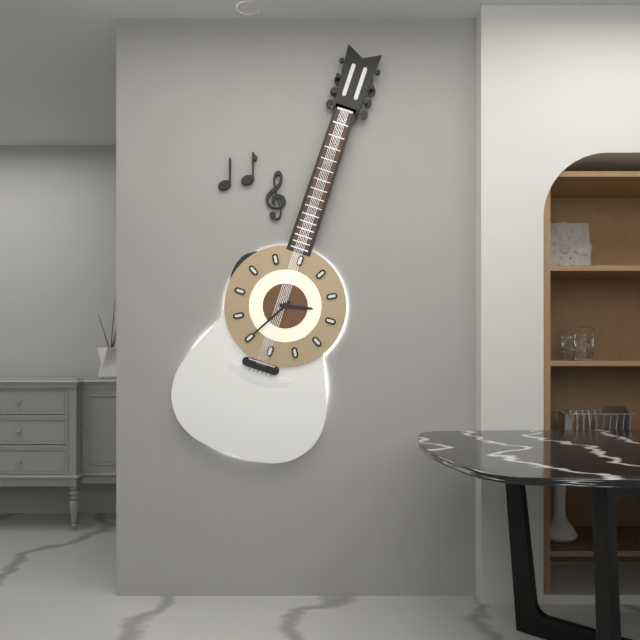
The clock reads 2.35
